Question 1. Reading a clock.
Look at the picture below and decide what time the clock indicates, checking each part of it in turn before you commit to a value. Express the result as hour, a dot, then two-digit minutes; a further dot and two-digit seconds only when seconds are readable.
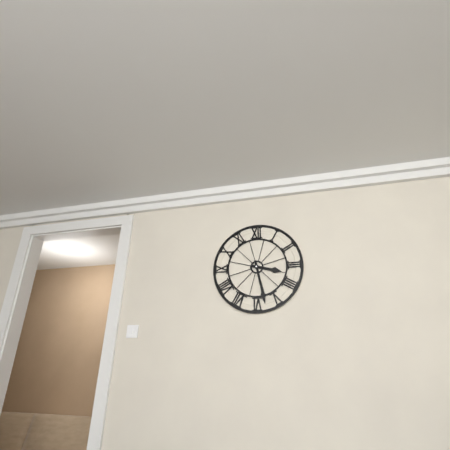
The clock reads 3.28
